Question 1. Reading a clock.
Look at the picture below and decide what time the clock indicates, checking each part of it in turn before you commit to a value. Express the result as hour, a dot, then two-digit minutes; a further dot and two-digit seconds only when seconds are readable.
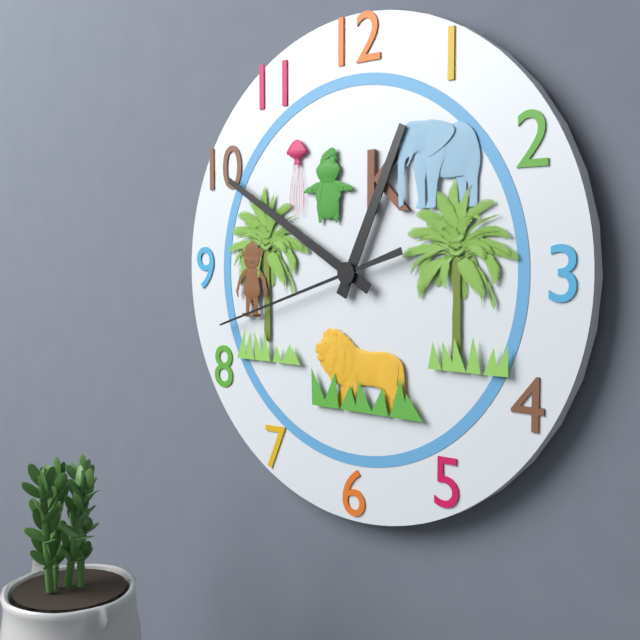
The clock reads 12.50.42
